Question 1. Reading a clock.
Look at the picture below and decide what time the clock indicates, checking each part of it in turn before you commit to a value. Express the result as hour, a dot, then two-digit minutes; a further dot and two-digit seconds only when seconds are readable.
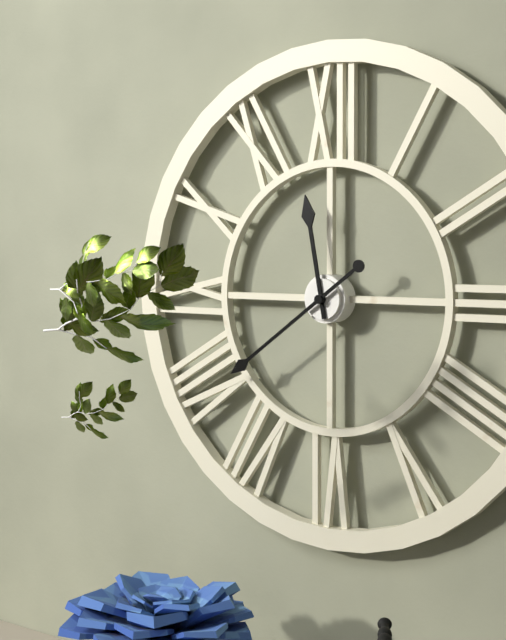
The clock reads 11.39
